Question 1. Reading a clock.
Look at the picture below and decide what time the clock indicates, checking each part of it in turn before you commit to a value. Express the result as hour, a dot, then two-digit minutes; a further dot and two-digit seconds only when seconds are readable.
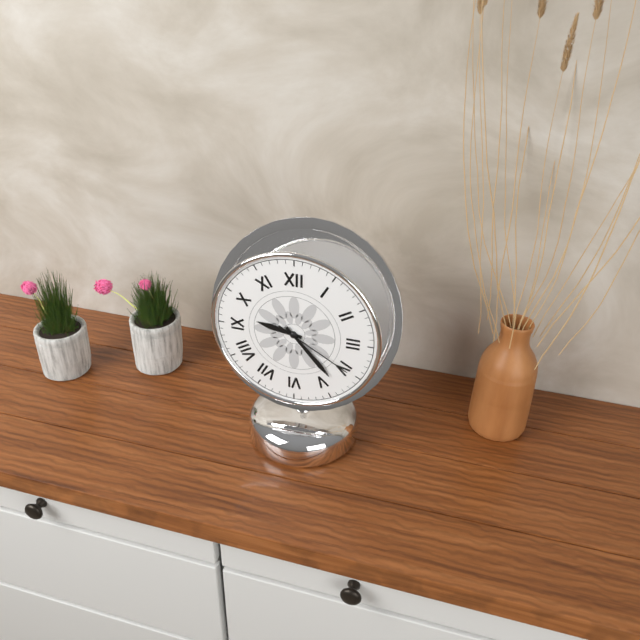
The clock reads 9.23.20
